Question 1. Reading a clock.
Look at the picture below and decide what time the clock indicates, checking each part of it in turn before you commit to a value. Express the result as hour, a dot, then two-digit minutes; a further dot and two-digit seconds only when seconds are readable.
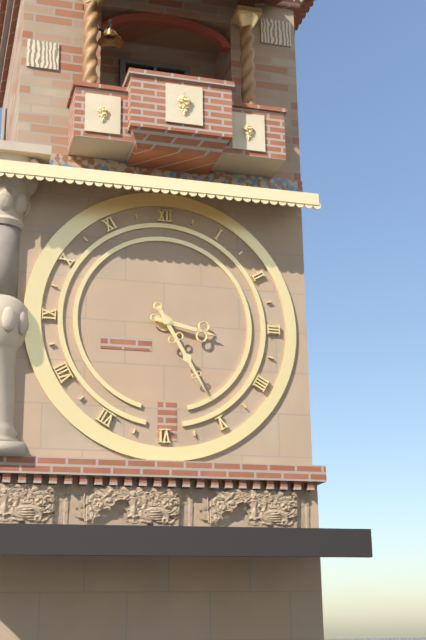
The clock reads 3.25
